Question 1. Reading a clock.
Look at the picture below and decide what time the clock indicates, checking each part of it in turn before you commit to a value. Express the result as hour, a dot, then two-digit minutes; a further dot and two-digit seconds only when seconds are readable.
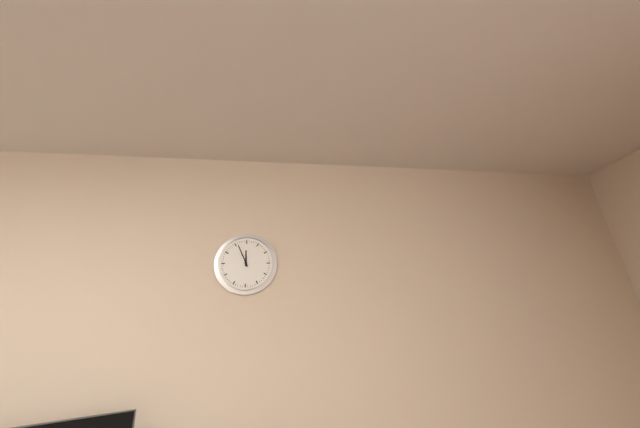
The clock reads 11.56
